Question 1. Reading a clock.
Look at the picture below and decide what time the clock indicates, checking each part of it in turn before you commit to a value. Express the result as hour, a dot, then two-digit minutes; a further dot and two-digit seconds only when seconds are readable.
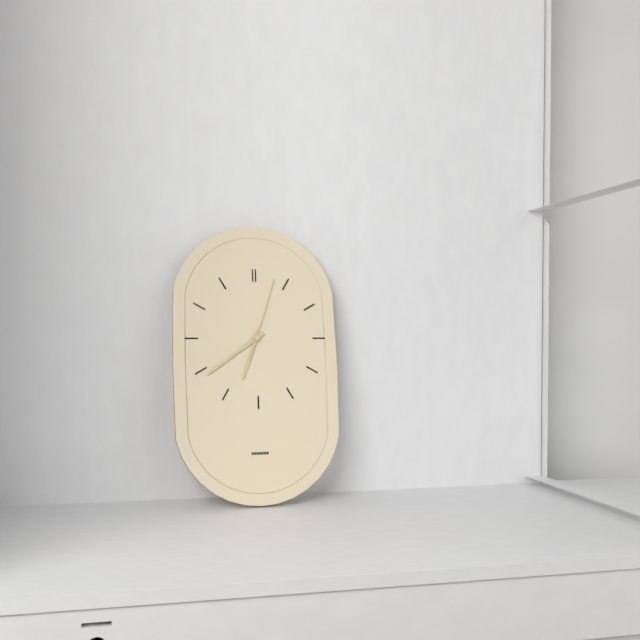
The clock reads 6.39.03
